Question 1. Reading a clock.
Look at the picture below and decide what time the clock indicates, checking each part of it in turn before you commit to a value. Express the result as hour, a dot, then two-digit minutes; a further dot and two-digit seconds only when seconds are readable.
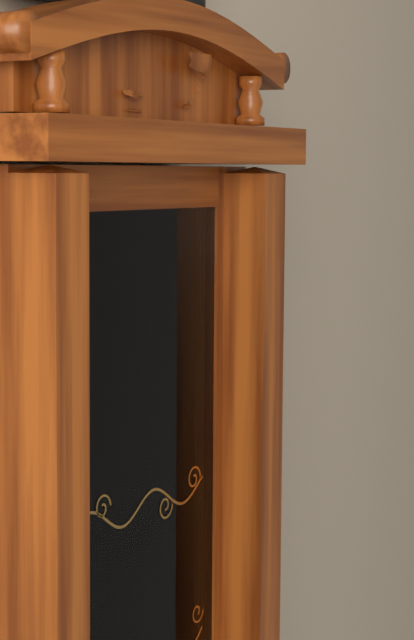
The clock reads 12.55.59
